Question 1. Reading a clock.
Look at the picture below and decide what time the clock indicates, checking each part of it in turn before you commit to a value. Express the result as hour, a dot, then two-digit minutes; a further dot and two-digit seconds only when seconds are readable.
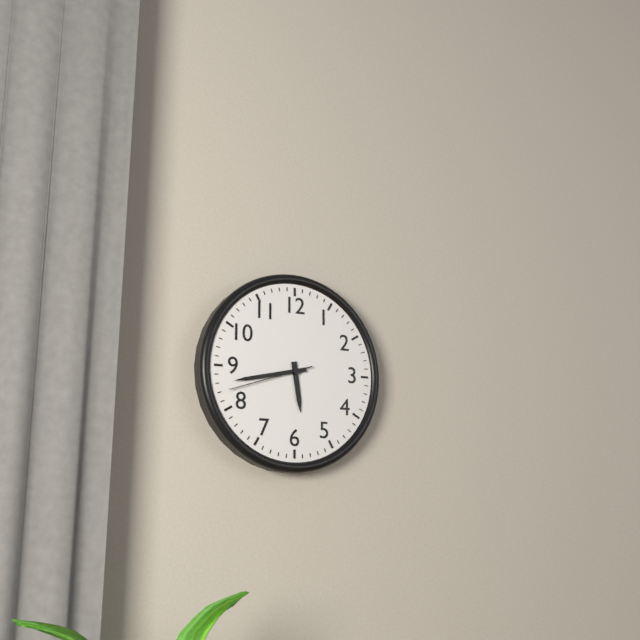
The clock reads 5.43.42
